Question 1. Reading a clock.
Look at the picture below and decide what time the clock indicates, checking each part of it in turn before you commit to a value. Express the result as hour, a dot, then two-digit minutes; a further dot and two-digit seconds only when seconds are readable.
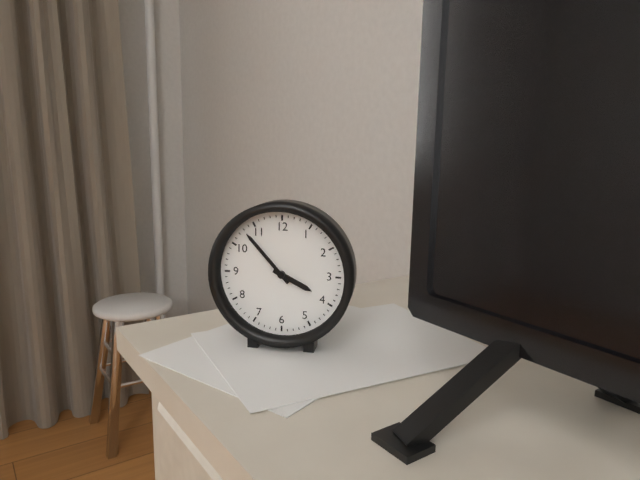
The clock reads 3.53
